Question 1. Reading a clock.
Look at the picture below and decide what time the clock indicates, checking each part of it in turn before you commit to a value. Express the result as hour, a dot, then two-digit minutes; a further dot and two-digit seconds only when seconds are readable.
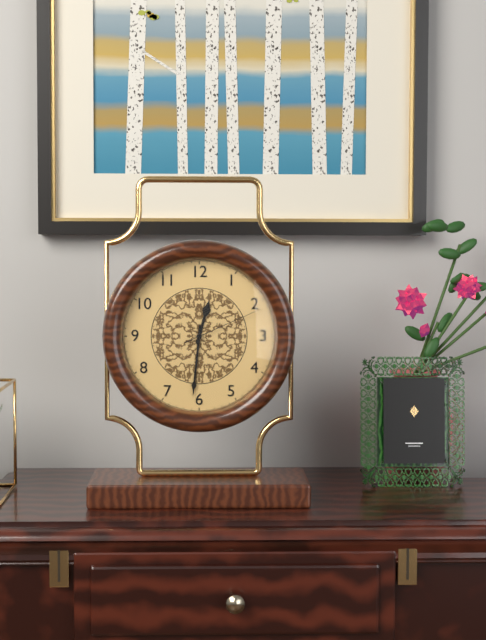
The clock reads 12.31.11
